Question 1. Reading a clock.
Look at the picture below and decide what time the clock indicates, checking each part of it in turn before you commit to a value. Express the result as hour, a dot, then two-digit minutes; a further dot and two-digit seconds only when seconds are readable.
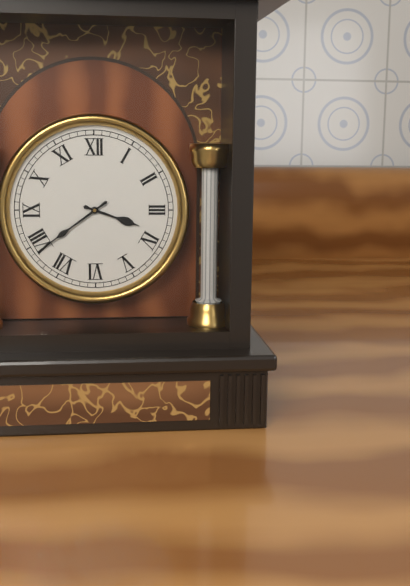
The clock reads 3.39
